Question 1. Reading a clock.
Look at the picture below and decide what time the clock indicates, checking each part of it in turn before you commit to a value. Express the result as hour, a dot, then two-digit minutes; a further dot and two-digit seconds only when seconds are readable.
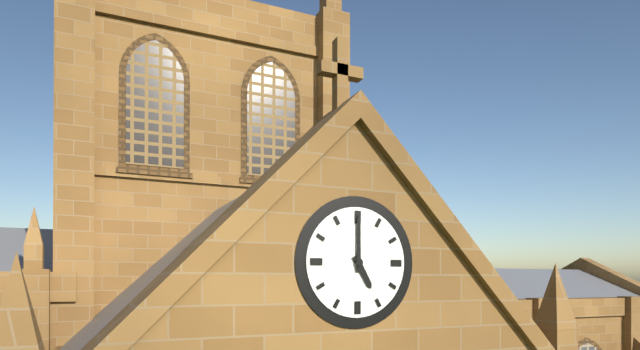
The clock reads 5.00
